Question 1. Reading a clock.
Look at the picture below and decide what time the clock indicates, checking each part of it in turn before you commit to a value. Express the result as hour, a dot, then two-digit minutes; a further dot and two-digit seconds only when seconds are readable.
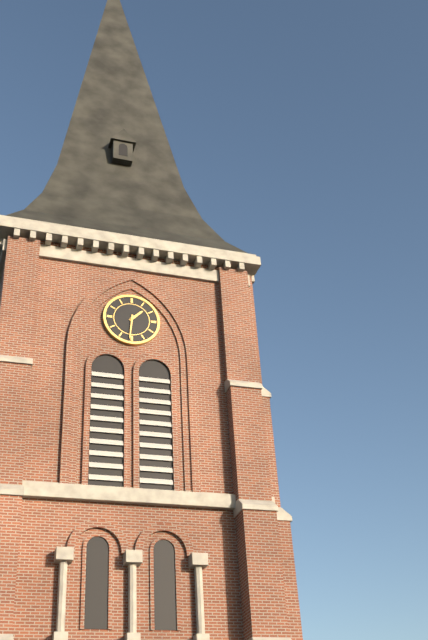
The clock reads 1.31
